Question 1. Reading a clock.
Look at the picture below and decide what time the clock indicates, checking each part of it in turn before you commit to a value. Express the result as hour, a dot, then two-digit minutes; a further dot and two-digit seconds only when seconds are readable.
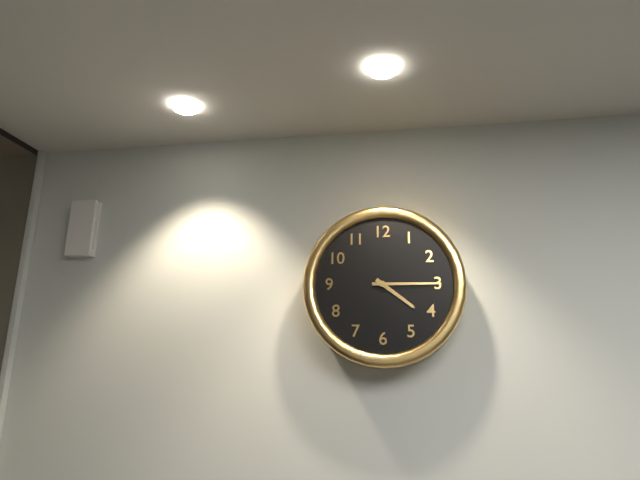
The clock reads 4.15
